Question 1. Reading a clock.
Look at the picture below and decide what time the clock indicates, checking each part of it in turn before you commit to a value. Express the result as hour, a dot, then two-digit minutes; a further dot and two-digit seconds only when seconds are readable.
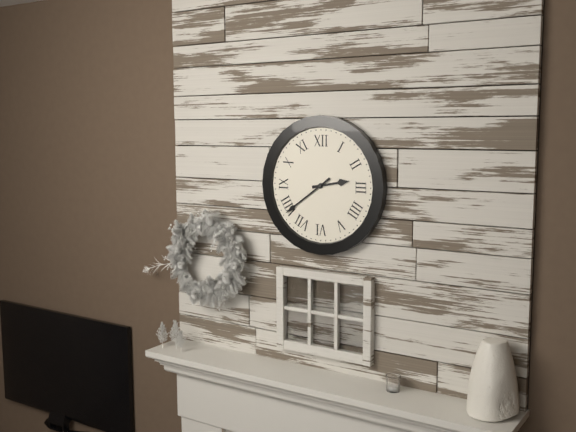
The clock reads 2.39
